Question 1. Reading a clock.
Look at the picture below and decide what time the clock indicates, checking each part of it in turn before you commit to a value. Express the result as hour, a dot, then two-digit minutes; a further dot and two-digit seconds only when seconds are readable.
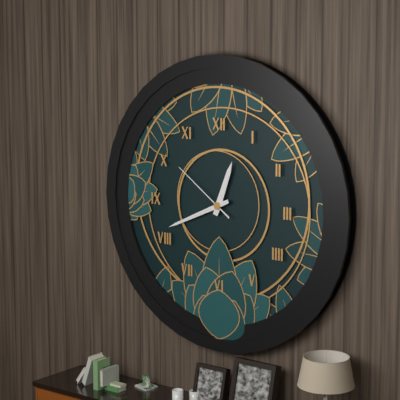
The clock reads 12.41.51
